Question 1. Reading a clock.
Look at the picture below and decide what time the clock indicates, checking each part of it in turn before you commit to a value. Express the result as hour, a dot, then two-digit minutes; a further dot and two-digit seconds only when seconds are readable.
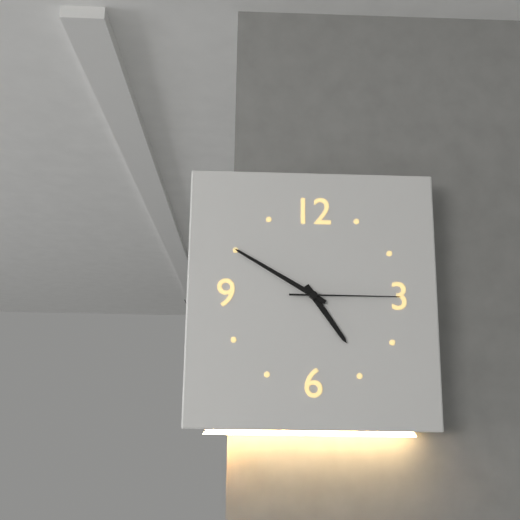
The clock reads 4.50.15
